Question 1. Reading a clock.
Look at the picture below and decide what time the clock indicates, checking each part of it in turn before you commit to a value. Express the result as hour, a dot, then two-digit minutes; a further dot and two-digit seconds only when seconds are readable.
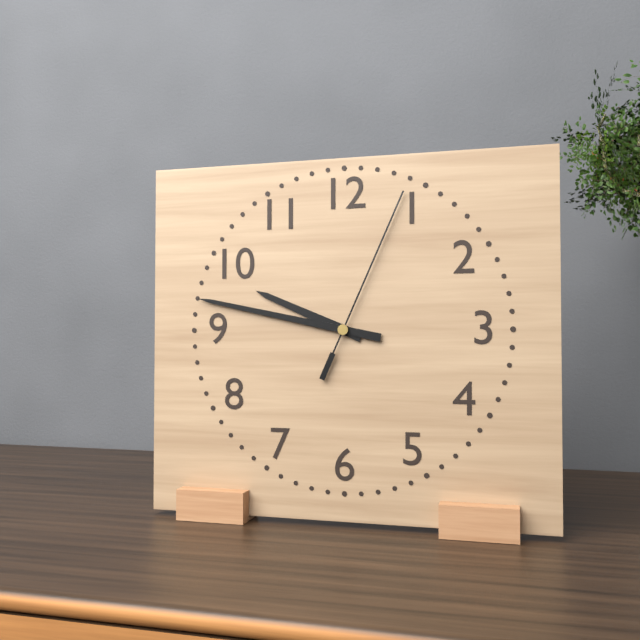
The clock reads 9.47.04
